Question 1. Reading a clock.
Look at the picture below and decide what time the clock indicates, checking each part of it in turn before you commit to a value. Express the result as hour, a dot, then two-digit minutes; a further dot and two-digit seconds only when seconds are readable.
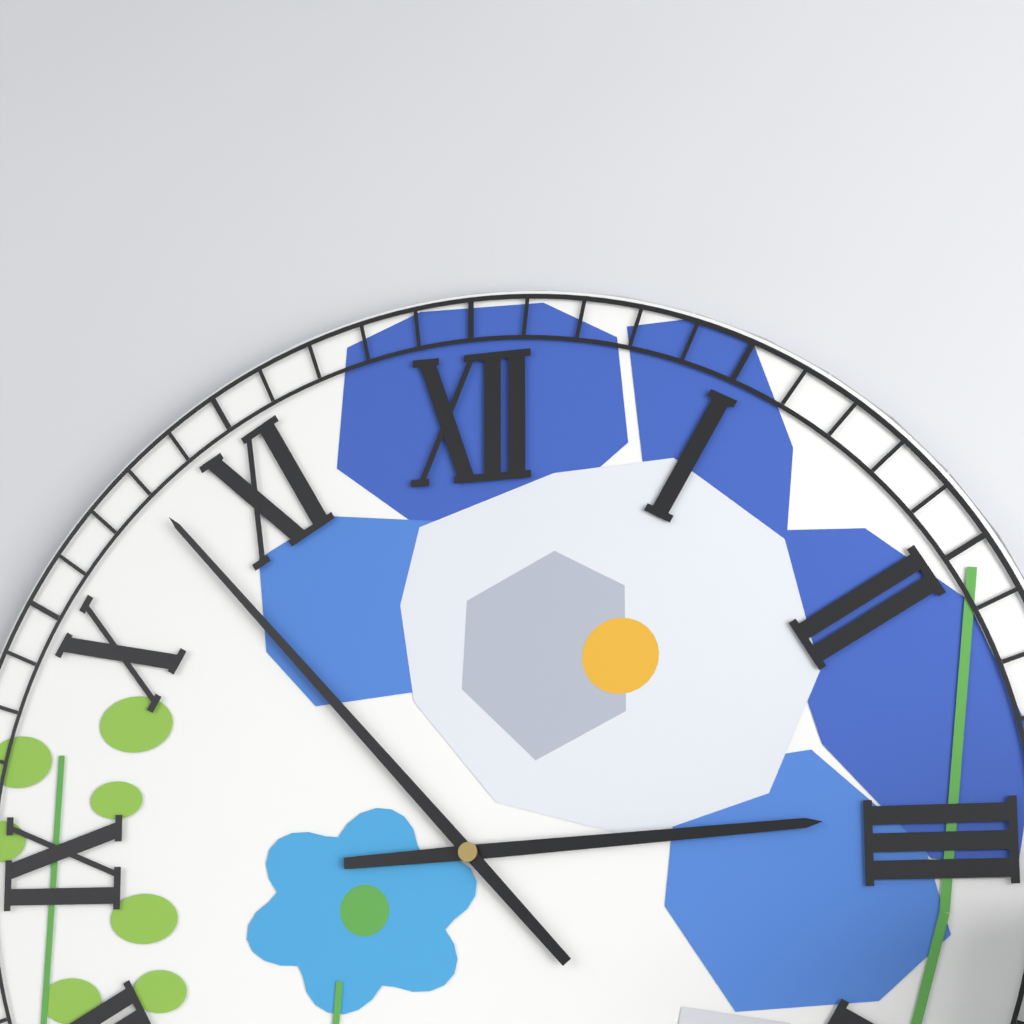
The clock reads 2.53
